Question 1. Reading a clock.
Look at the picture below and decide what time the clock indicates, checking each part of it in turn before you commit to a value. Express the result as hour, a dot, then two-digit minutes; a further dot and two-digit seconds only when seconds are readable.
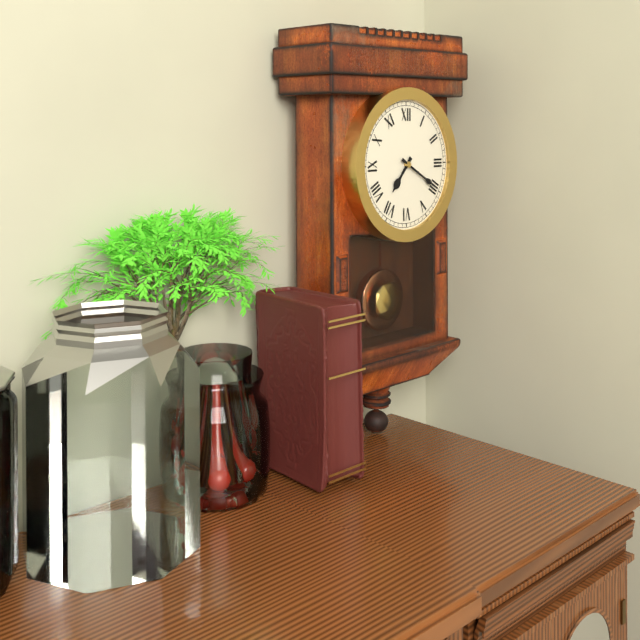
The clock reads 7.20
